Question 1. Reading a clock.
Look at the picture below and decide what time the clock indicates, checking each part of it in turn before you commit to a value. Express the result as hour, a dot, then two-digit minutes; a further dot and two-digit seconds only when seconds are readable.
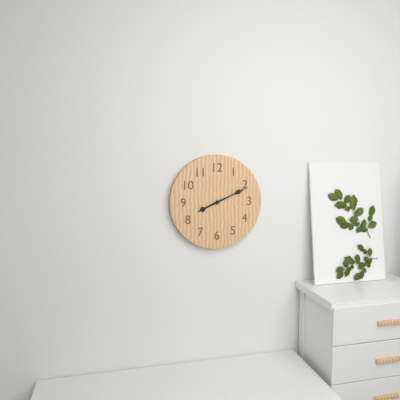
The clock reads 8.11
